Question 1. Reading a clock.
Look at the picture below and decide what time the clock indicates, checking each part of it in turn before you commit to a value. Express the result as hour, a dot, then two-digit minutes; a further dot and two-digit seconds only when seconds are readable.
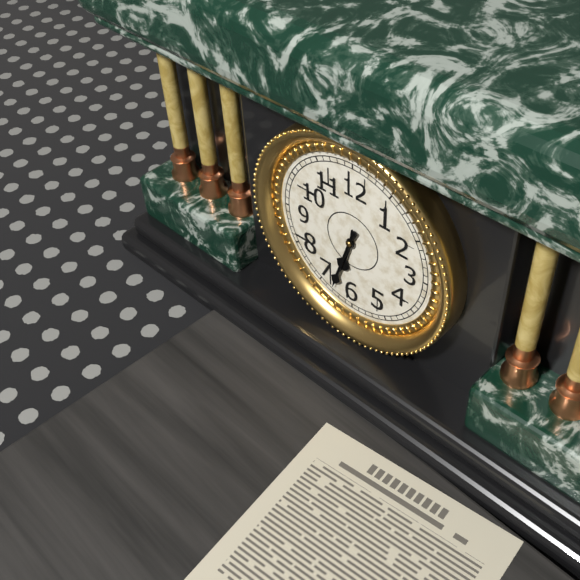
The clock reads 6.33
